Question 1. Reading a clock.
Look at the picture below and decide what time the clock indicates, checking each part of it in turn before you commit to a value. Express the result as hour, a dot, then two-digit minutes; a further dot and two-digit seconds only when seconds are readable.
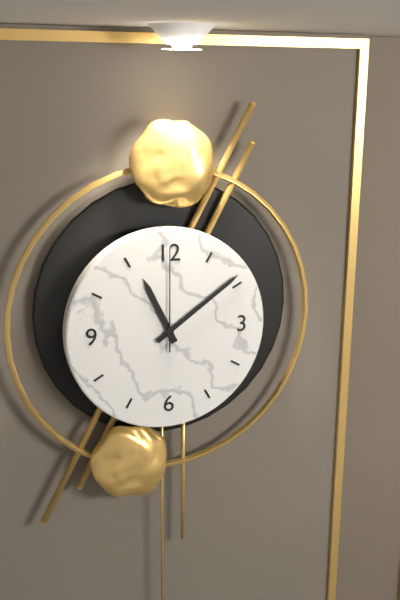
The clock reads 11.09.00
